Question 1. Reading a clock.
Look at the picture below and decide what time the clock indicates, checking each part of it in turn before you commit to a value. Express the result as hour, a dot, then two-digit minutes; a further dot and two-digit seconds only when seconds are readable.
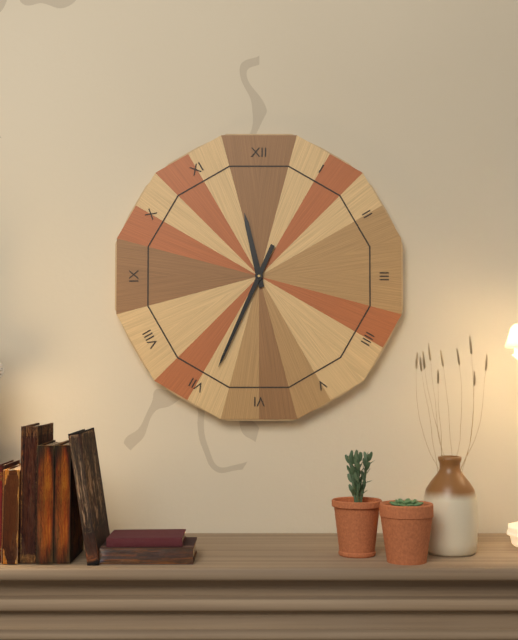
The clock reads 11.34
